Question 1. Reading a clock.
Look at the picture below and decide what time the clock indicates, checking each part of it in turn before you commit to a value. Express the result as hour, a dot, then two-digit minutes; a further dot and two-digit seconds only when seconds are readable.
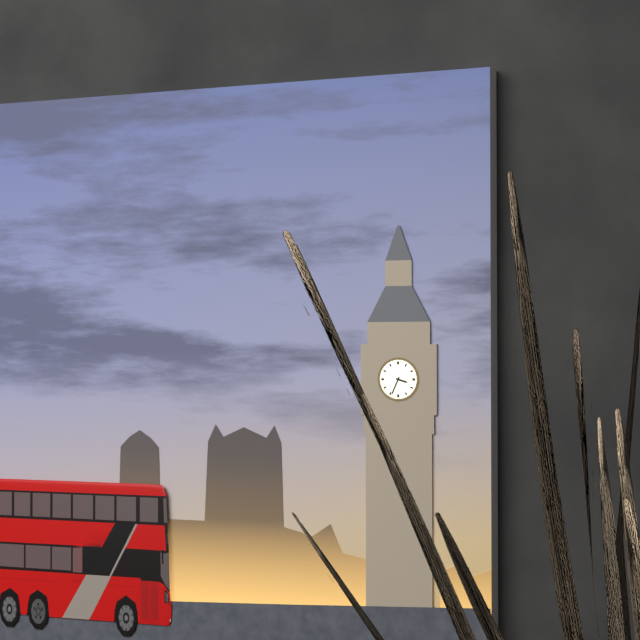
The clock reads 3.34
